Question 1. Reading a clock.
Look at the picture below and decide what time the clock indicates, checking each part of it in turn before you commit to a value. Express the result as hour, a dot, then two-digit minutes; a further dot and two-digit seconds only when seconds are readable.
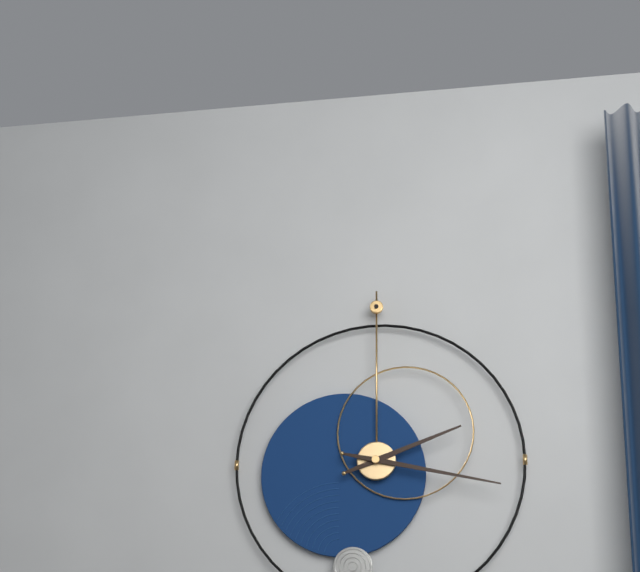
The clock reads 2.17
